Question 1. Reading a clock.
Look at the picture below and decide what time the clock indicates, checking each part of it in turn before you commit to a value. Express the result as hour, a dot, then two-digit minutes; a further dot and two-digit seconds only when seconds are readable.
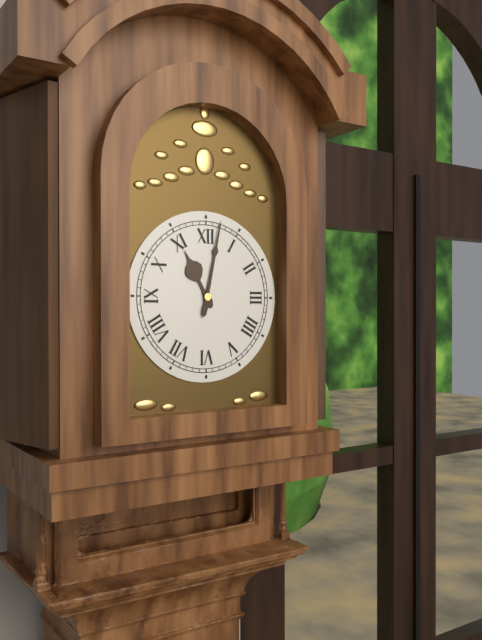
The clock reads 11.02
